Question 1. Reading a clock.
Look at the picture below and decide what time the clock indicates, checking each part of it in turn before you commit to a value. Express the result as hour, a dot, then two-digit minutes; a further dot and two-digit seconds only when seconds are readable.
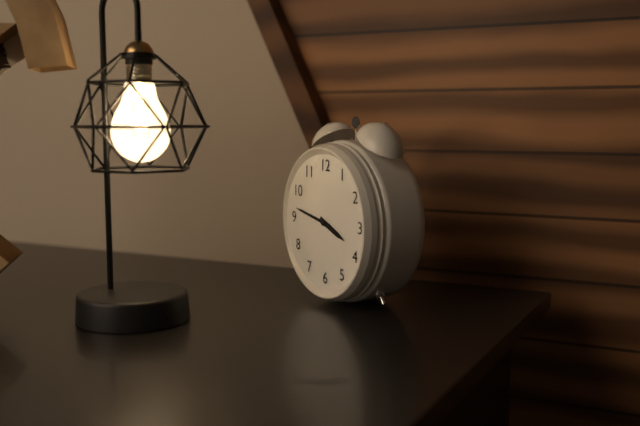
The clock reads 3.47
